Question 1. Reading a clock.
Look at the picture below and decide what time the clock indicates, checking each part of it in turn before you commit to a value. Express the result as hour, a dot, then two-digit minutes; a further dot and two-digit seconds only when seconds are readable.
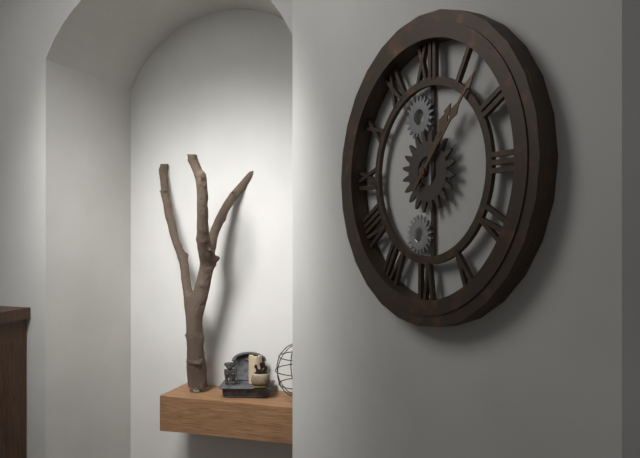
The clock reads 1.07
